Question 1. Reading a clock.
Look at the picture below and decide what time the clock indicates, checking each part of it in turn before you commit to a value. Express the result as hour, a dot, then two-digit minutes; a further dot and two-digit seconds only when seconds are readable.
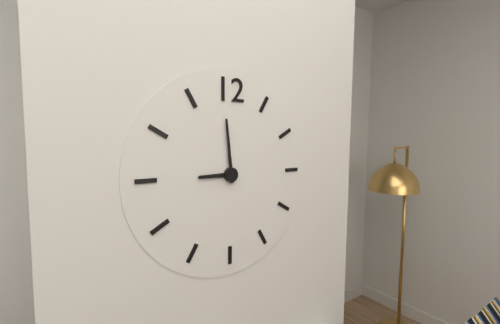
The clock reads 8.59
